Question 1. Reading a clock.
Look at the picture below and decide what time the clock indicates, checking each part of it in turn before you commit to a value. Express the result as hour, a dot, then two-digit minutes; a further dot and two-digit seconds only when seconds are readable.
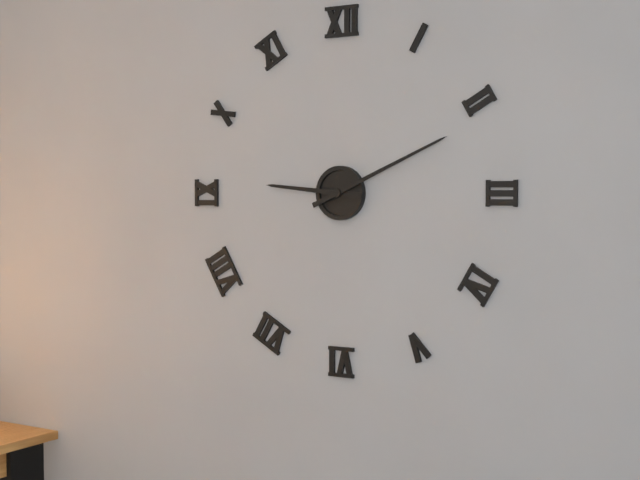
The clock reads 9.11
